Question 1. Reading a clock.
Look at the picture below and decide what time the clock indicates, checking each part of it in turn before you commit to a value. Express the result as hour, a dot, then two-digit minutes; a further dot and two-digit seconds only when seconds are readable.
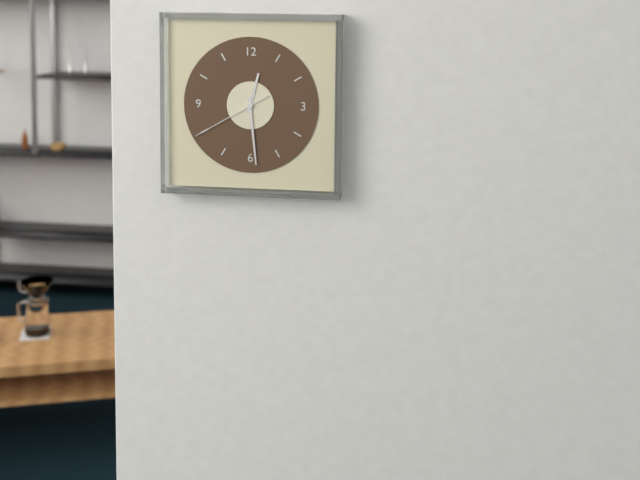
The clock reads 12.29.40
